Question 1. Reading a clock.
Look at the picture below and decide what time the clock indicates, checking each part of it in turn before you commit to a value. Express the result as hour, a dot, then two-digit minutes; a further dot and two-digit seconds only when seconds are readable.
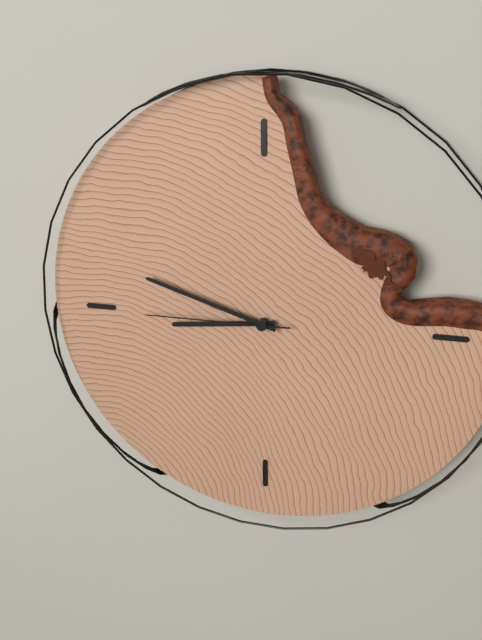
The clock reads 8.48.45
